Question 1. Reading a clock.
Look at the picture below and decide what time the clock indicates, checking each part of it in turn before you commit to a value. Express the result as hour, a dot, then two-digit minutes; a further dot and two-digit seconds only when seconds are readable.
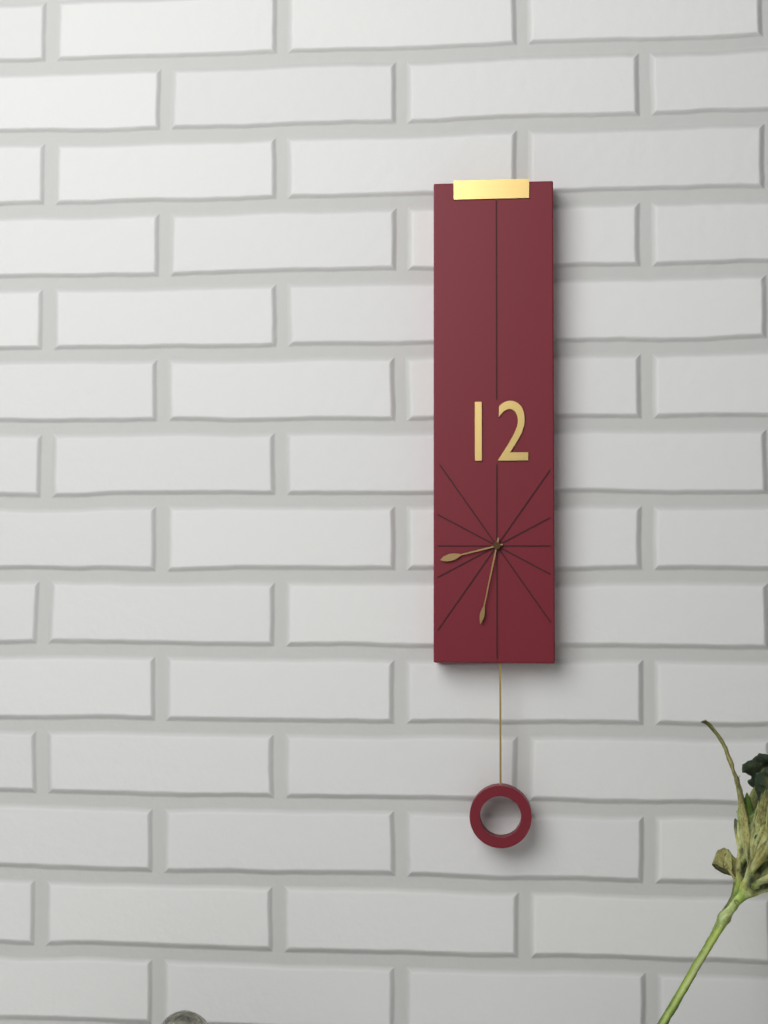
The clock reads 8.32
